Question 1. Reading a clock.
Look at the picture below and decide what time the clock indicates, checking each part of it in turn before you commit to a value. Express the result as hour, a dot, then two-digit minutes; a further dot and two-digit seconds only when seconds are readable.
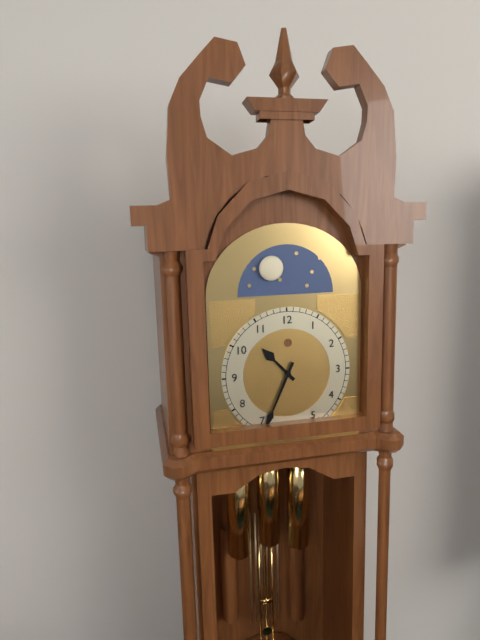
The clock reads 10.34
